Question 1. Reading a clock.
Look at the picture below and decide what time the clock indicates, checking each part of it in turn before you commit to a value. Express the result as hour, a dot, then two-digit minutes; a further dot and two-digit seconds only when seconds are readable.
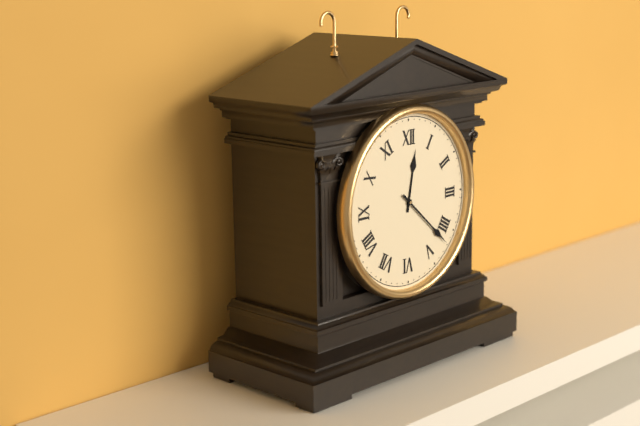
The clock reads 12.22
